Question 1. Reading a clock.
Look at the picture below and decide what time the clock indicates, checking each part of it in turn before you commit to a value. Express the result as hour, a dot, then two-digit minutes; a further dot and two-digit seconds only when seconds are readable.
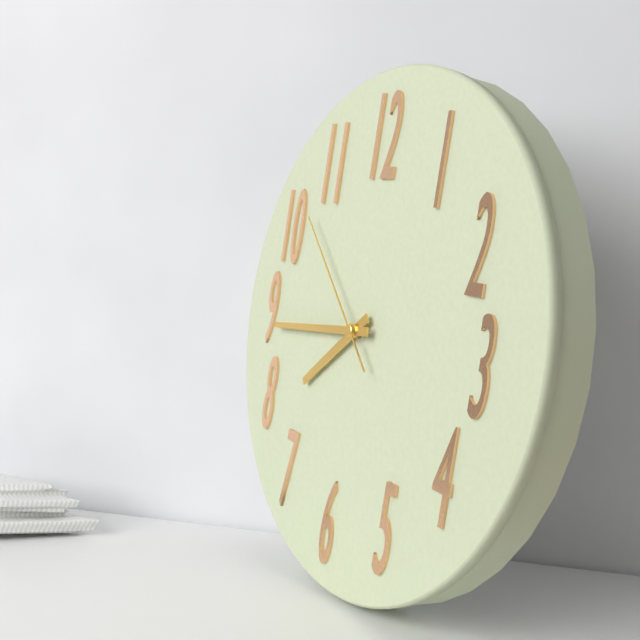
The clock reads 7.44.52
